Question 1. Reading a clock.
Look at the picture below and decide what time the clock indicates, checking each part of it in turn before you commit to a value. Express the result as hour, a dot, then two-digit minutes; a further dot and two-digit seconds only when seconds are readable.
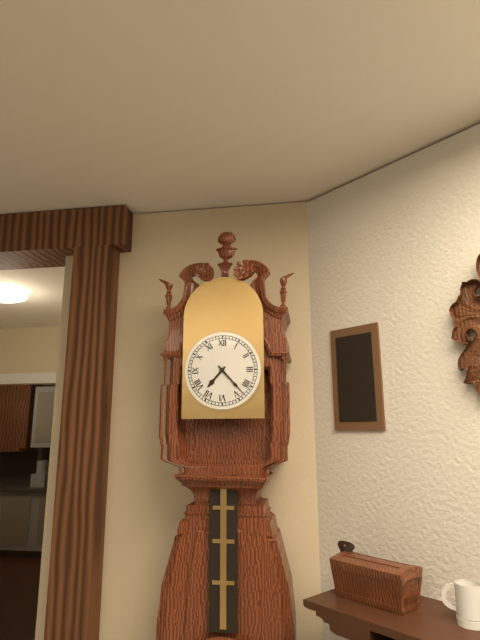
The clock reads 7.23
